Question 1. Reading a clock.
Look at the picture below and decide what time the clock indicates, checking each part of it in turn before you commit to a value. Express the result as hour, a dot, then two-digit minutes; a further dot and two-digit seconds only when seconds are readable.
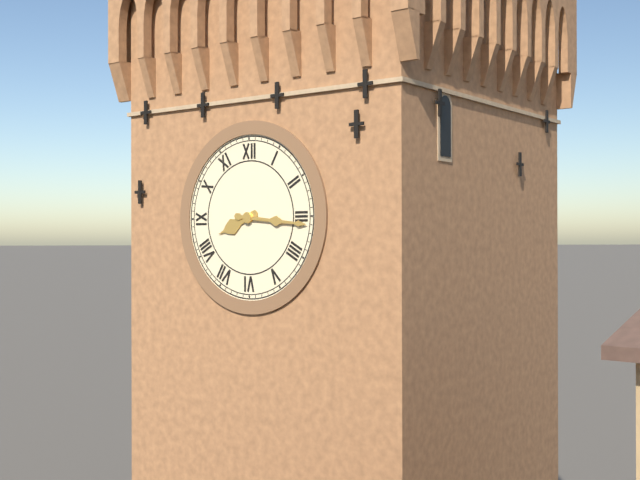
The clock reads 8.16
